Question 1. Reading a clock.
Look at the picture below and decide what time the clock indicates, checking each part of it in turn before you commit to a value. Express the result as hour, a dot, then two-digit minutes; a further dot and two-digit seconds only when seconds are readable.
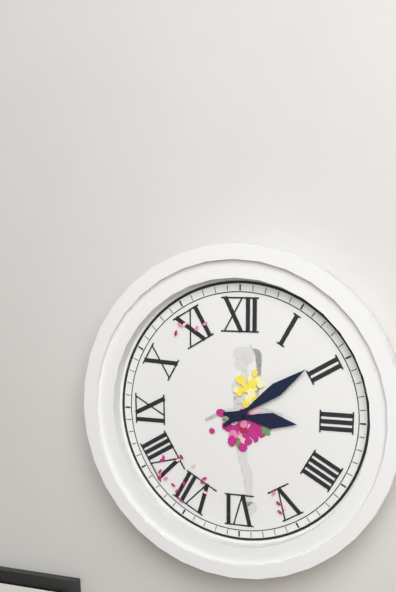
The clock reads 3.09
